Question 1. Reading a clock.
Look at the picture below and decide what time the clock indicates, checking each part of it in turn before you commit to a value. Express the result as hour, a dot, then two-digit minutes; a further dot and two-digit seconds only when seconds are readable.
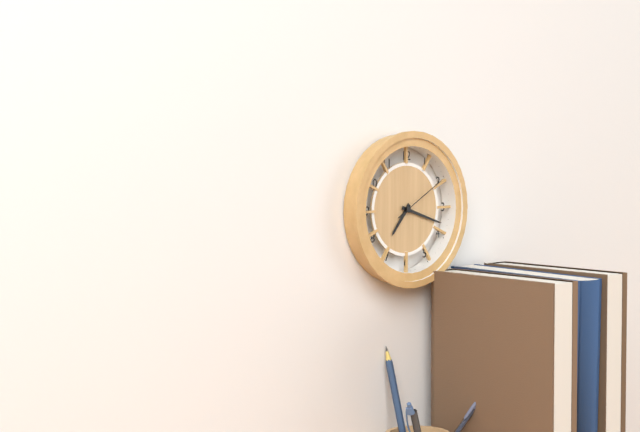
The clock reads 7.18.10
